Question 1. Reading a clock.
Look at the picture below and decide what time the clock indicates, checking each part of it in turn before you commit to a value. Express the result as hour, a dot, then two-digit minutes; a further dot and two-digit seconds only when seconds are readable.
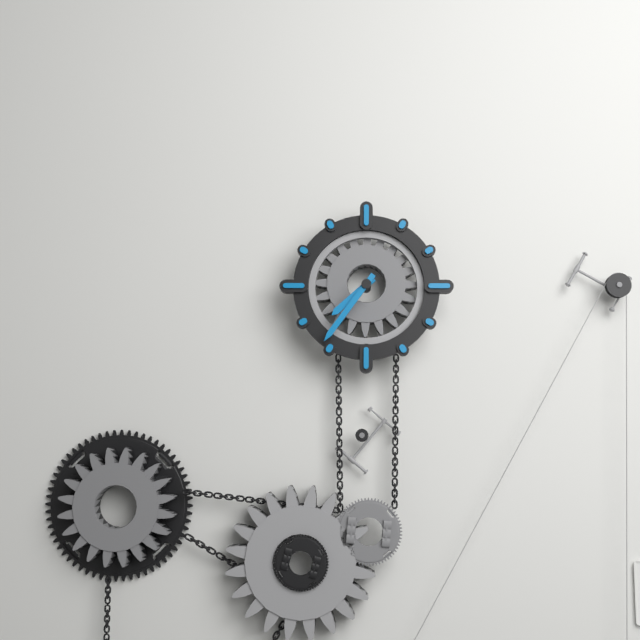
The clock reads 7.36
